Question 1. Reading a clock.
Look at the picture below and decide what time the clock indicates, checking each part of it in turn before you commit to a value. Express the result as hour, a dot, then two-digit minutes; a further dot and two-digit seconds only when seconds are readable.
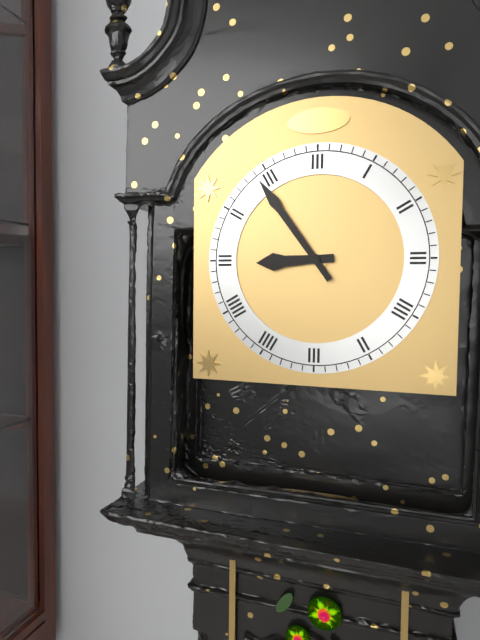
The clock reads 8.54
